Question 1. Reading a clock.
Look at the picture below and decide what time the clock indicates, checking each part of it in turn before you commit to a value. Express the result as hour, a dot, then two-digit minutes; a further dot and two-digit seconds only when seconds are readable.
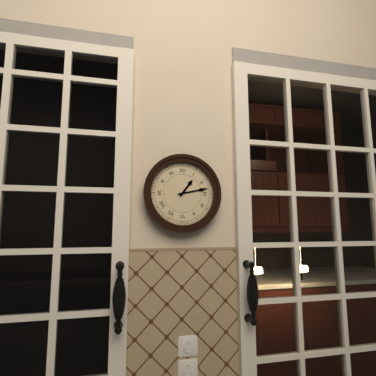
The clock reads 1.13
